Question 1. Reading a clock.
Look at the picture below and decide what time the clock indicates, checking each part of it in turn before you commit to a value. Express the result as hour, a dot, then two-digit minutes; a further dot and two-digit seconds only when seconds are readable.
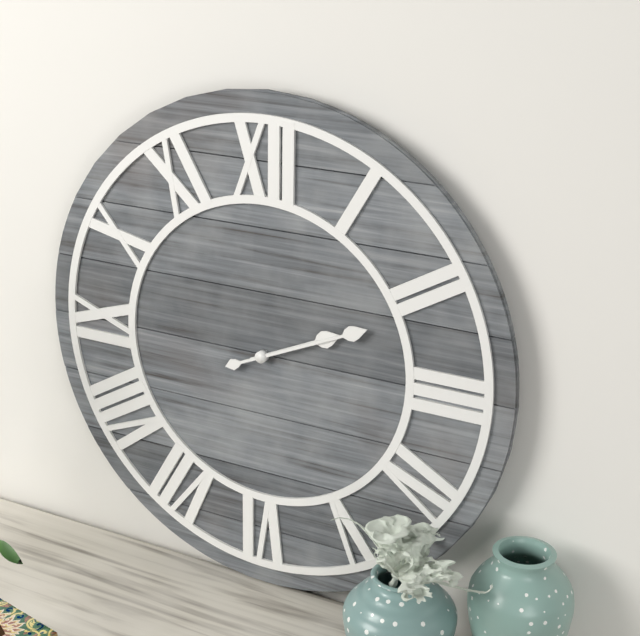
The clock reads 2.11
